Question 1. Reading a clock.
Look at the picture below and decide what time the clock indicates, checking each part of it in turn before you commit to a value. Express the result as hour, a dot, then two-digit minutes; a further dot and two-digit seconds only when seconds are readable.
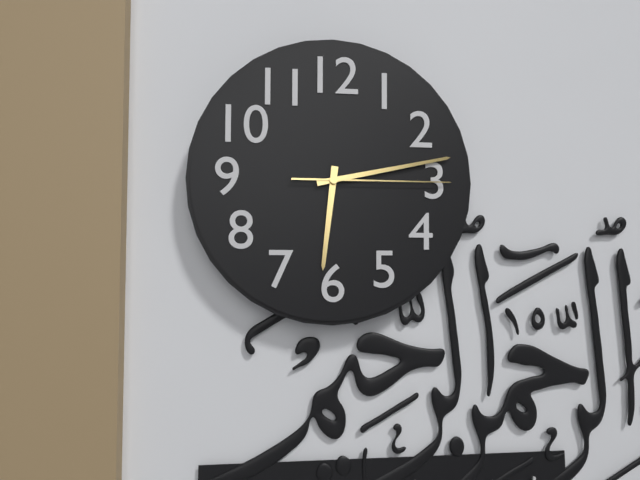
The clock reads 6.13.15
